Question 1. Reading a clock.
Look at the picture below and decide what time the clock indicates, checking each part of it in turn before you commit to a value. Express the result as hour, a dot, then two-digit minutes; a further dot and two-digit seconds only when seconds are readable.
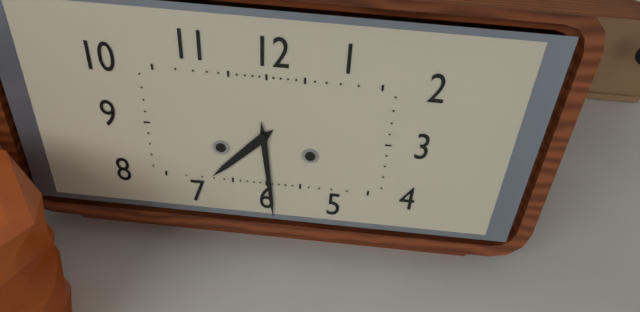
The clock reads 7.29
